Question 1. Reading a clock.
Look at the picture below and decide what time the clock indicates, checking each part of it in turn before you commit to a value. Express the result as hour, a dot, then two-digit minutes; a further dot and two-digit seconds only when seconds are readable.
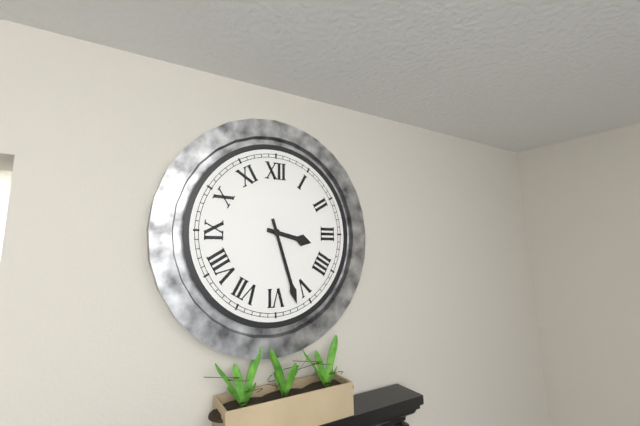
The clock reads 3.27
